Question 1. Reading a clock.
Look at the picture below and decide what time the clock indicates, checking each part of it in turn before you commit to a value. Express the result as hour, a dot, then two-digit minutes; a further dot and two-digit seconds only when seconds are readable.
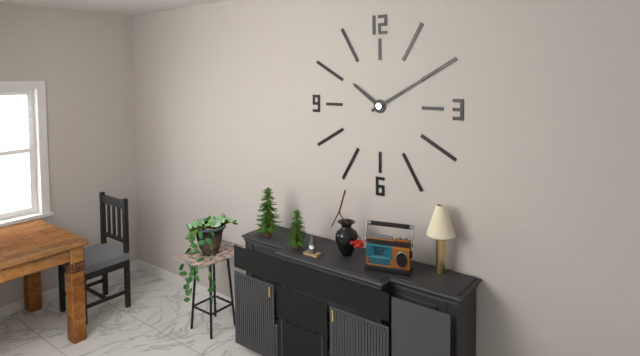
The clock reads 10.10
